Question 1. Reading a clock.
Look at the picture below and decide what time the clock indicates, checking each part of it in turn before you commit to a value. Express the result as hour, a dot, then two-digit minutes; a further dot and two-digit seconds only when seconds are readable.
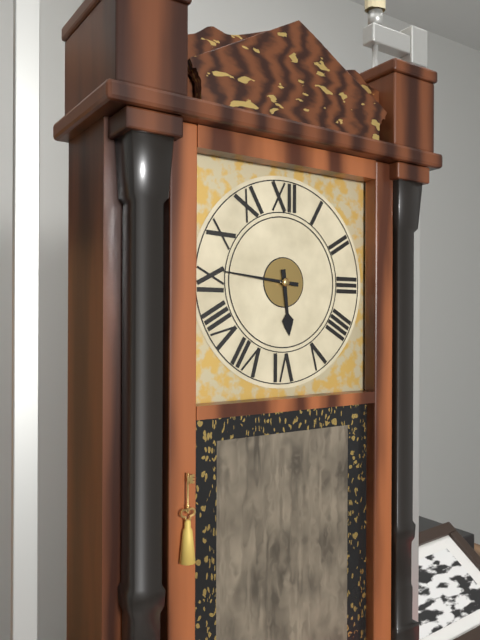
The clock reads 5.46
